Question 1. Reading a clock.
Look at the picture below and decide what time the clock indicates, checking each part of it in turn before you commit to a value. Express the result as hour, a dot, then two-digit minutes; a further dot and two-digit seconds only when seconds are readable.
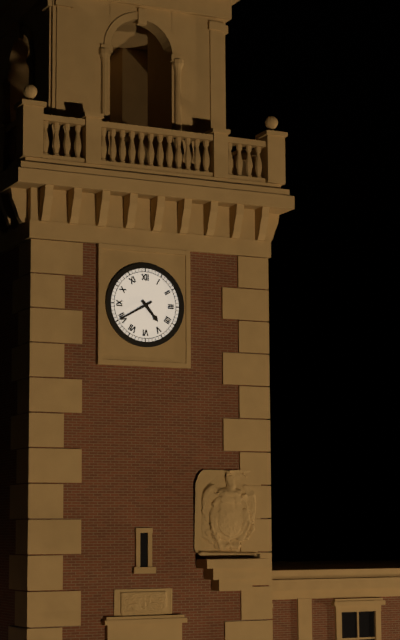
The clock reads 4.40
